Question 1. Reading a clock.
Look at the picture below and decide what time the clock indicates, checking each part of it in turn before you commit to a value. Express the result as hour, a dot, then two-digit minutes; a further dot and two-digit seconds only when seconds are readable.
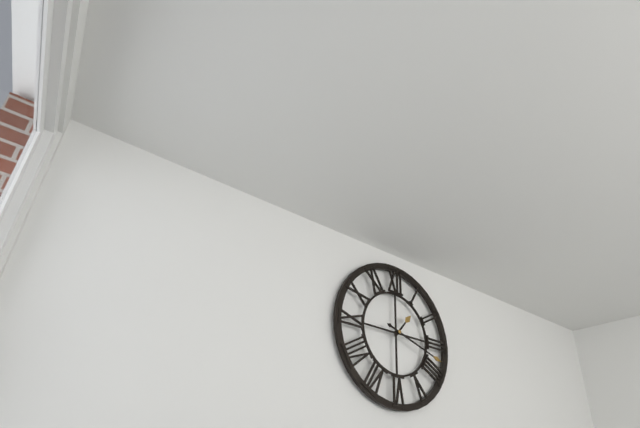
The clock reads 1.18
